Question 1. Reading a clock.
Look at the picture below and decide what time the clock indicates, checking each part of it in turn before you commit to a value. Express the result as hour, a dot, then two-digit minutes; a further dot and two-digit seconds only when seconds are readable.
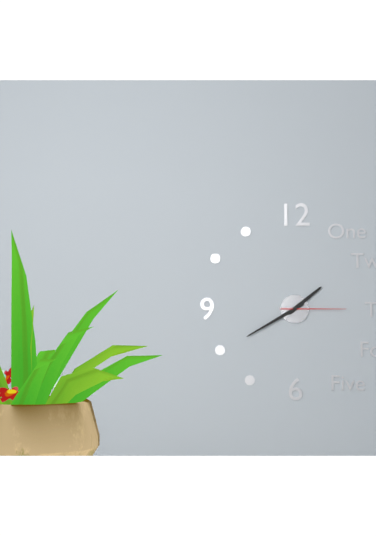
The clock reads 1.40.15
